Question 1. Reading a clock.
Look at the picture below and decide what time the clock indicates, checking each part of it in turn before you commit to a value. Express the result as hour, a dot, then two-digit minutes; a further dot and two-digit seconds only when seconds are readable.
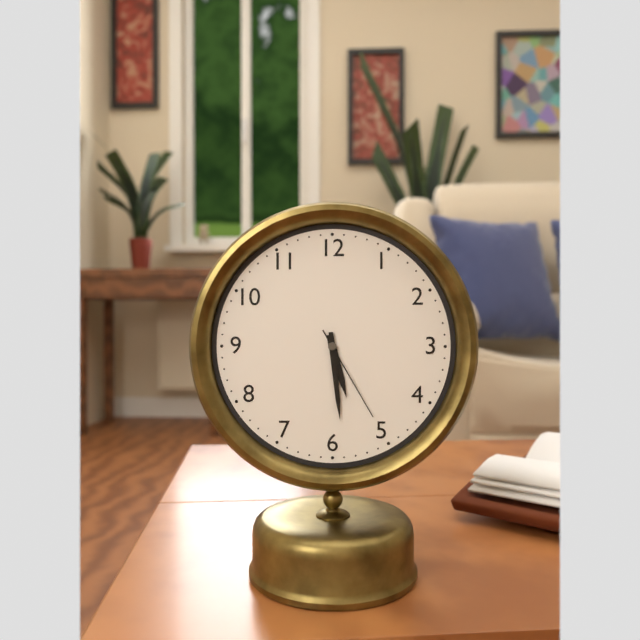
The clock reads 5.29.25
